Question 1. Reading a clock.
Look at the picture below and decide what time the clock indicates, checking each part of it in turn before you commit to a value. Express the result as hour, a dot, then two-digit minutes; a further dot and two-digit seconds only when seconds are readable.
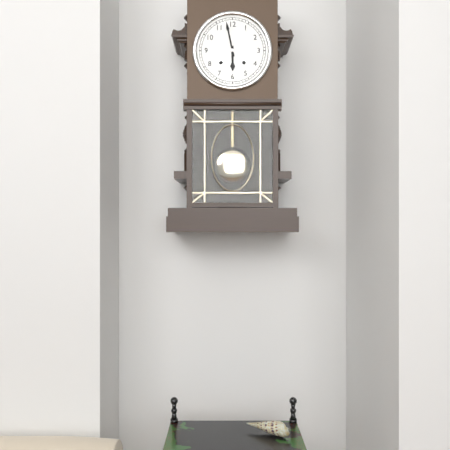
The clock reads 5.58
